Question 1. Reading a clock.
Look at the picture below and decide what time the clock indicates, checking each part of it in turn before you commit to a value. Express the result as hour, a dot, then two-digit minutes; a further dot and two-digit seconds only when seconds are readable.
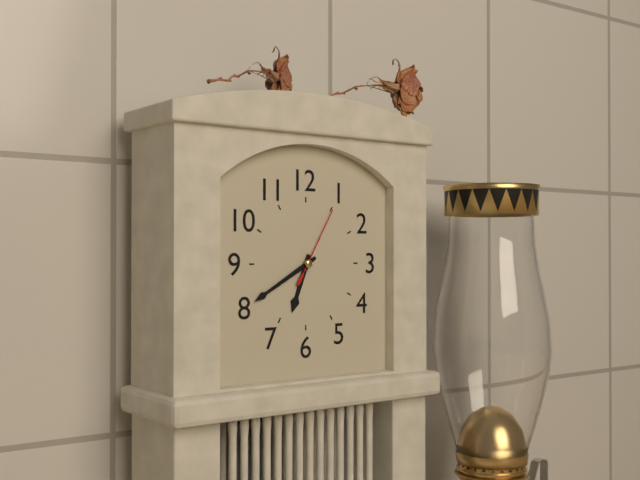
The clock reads 6.40.05
